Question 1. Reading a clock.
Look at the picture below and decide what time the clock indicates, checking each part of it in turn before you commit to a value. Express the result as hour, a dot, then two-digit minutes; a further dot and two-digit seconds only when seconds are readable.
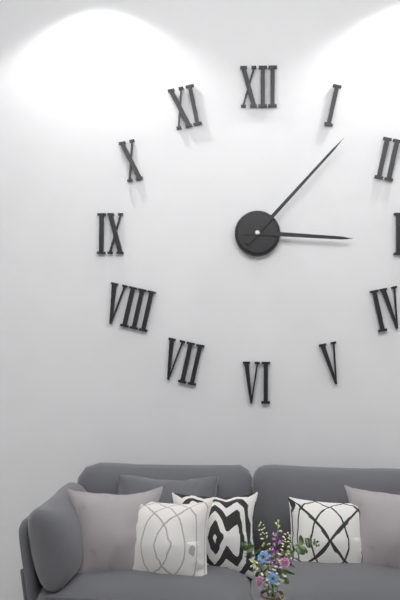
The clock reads 3.07
